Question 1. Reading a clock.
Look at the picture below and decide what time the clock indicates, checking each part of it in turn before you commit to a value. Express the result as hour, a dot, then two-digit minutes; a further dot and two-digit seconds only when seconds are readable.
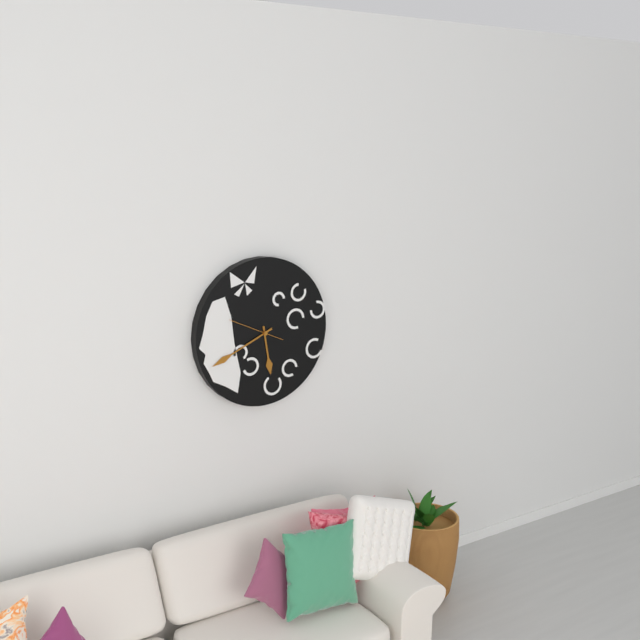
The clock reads 5.41
